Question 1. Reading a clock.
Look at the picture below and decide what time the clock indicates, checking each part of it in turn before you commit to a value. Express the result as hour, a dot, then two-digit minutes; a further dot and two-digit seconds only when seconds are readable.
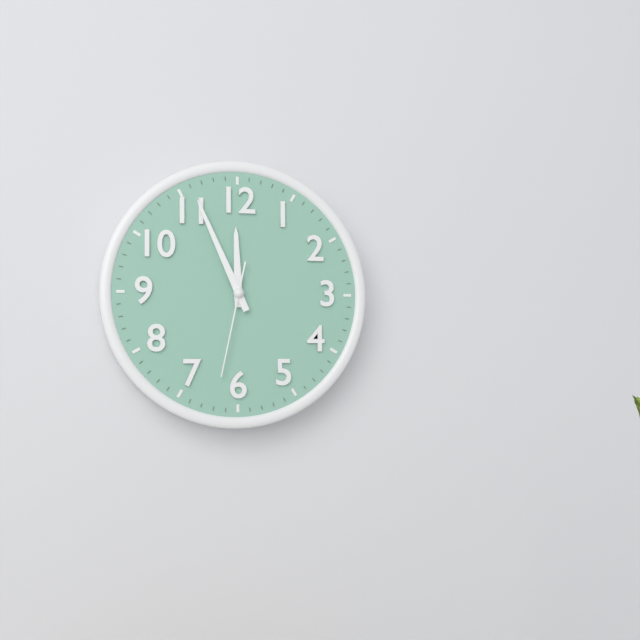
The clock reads 11.56.32
